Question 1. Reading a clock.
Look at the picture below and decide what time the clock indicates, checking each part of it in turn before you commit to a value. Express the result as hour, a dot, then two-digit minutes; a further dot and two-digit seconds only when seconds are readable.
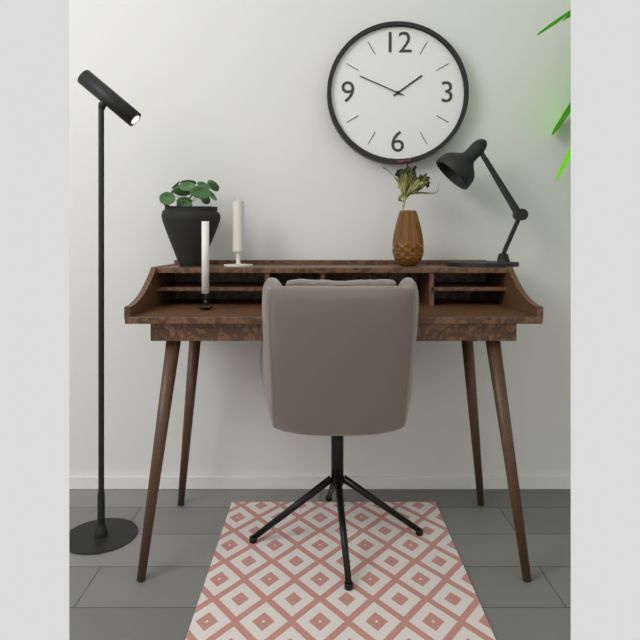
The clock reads 1.49
